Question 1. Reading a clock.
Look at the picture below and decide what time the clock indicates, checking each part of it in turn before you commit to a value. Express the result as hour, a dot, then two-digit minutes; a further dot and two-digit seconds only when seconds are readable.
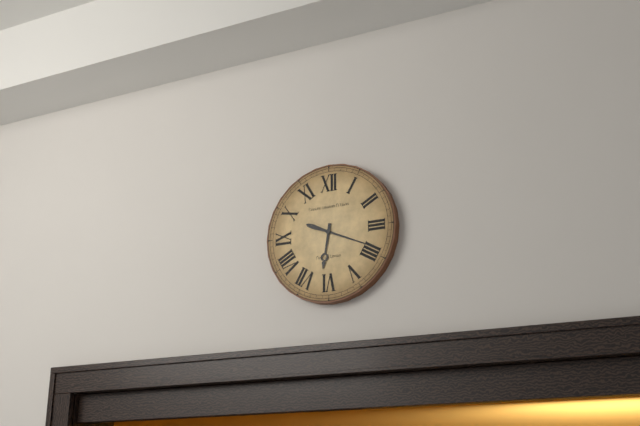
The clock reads 6.19
